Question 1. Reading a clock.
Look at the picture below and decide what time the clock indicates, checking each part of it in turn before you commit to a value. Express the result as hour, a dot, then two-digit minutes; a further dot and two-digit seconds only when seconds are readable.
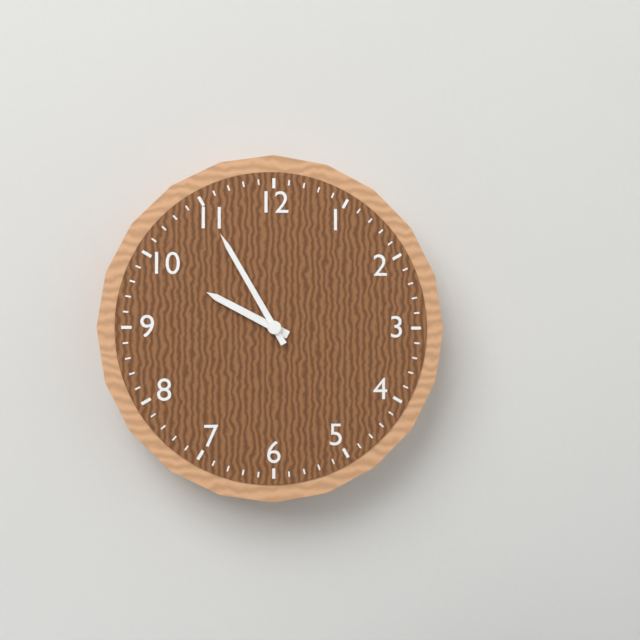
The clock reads 9.55
